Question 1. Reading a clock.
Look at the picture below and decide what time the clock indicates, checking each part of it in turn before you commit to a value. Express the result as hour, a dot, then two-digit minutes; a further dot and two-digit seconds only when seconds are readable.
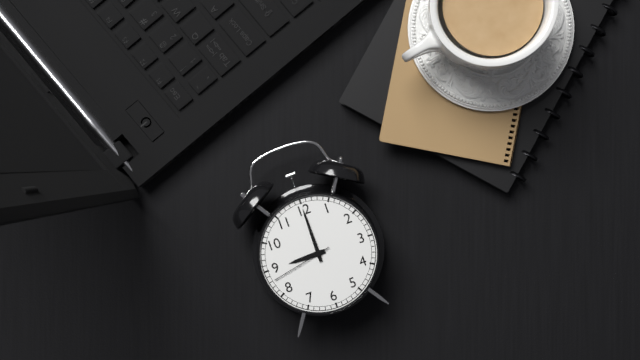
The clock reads 9.00.43
